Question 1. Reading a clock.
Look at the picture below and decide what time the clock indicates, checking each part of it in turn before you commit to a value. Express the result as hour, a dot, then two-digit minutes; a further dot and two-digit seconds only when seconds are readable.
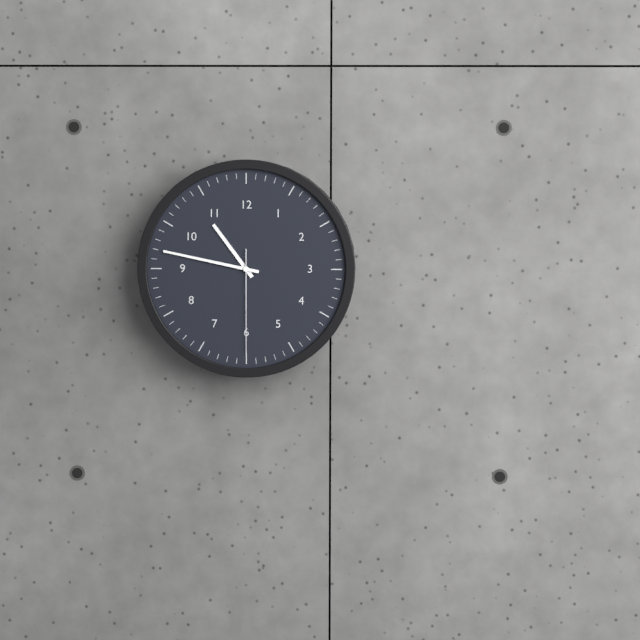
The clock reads 10.47.30
